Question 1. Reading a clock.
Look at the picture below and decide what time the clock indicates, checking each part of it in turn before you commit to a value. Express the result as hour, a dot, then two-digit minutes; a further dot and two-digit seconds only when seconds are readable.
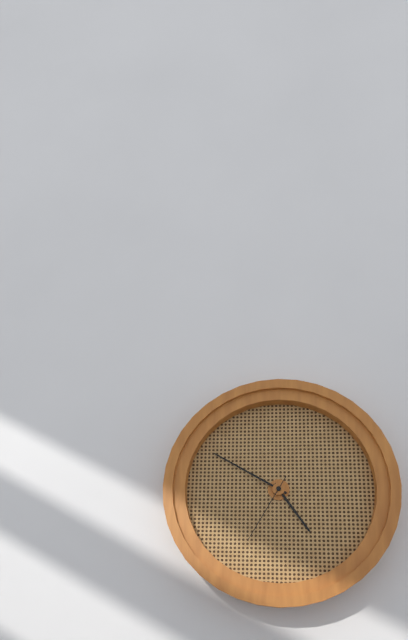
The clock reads 4.50.35
